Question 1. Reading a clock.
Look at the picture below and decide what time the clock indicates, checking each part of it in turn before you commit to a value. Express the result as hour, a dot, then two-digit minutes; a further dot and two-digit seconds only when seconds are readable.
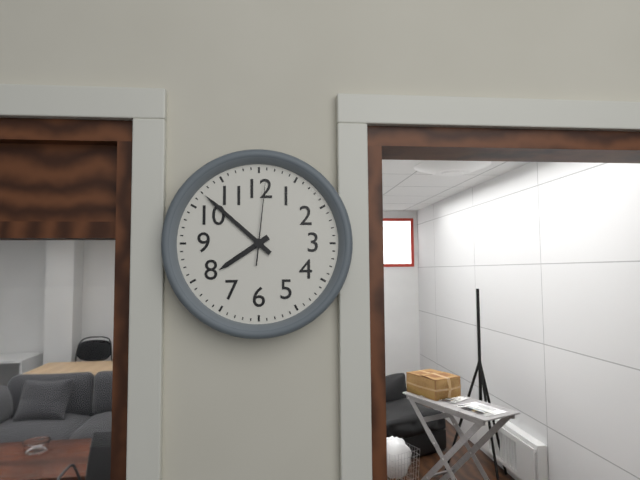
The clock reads 7.52.01
